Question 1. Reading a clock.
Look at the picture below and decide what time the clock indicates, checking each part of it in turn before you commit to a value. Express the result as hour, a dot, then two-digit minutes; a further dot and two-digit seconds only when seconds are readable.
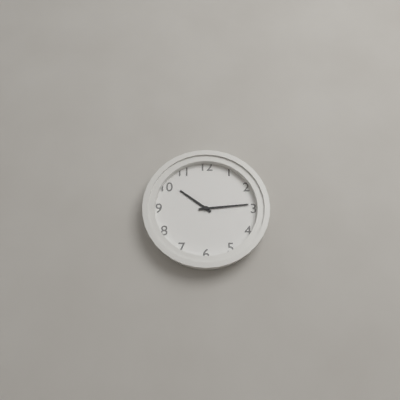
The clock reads 10.14
